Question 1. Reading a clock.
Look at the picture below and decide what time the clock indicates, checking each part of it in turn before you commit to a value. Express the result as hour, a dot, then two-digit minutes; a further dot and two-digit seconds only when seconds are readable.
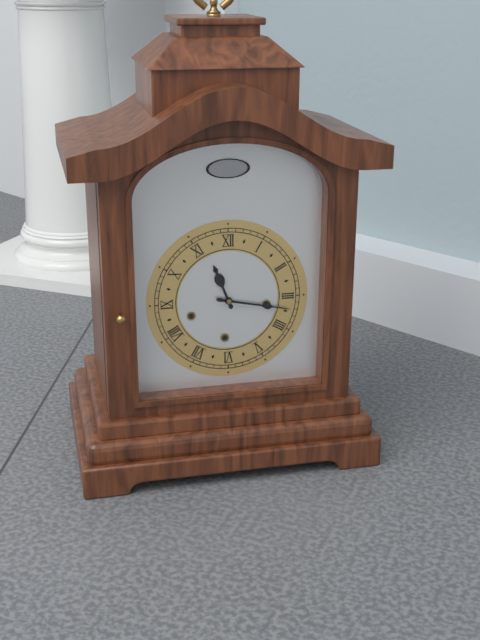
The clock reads 11.17
